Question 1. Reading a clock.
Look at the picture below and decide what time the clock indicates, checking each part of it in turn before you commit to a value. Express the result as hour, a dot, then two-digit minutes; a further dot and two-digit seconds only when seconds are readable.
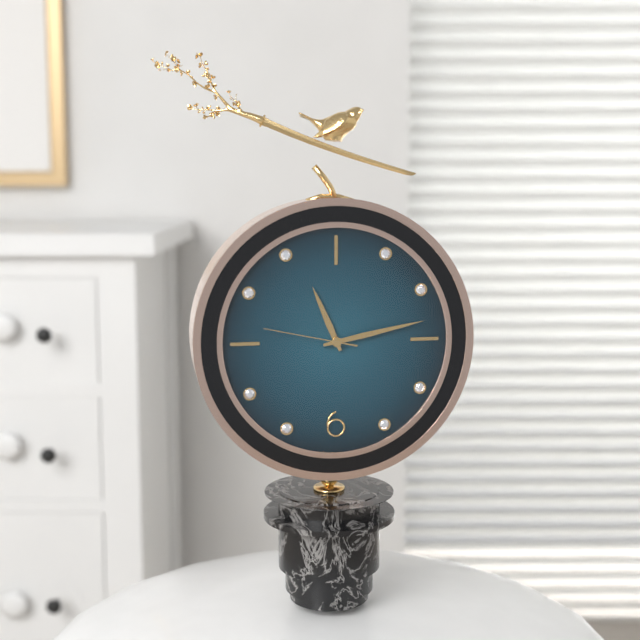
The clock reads 11.13.47
